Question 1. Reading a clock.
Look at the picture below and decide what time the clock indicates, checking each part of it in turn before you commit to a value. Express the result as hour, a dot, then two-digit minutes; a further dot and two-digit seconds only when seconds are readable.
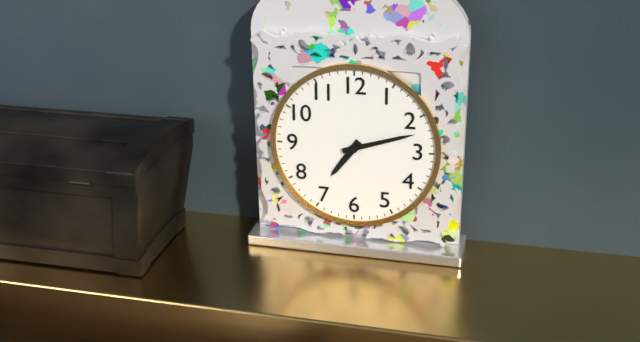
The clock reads 7.12
